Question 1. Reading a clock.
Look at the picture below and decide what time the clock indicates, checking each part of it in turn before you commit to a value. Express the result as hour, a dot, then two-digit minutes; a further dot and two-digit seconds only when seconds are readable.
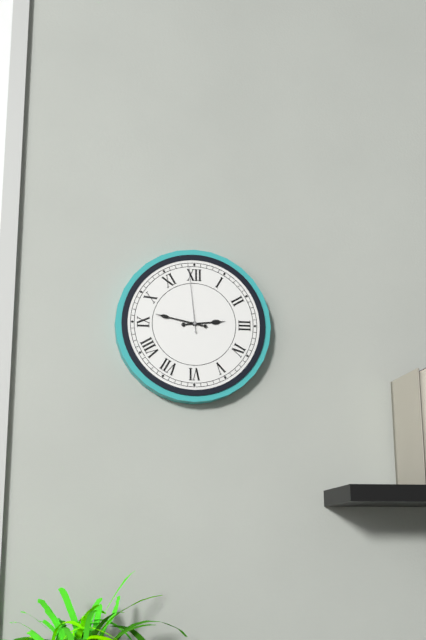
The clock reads 2.47.59
